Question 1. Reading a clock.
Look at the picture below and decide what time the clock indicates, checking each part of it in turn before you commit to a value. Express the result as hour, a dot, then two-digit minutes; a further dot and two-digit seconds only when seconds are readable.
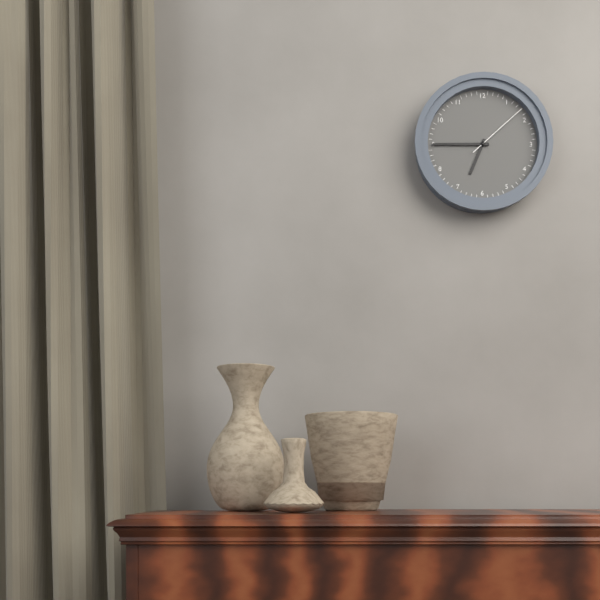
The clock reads 6.45.08
